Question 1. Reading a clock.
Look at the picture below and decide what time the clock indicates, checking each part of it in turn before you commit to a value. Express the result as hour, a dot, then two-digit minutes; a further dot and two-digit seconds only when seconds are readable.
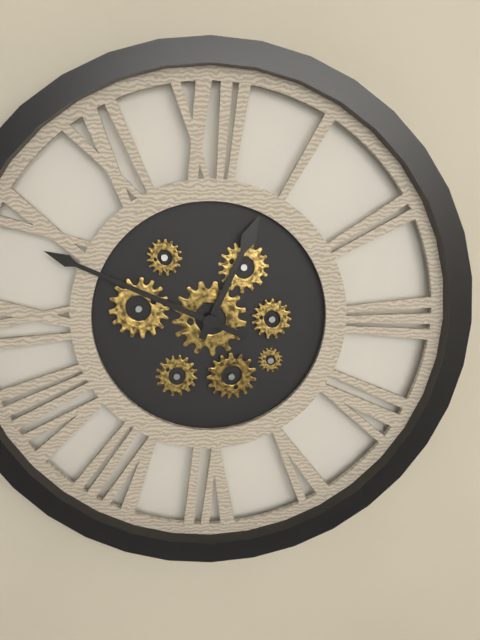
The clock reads 12.49
